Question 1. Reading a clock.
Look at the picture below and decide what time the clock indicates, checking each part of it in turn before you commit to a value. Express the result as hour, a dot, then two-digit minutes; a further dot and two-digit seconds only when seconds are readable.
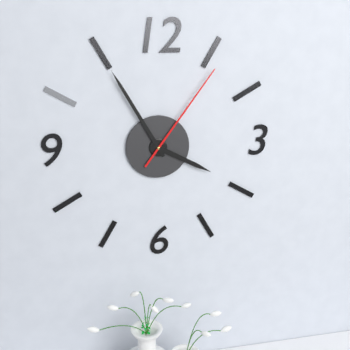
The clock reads 3.55.06
